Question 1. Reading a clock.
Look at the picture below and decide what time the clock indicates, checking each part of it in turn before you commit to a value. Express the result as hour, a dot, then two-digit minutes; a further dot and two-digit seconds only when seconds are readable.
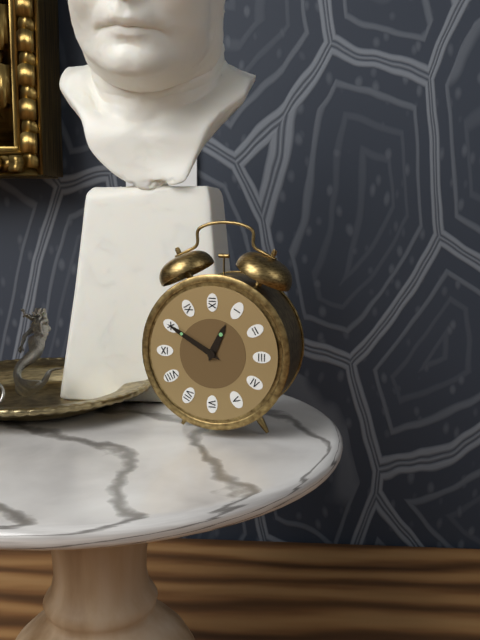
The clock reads 12.50
